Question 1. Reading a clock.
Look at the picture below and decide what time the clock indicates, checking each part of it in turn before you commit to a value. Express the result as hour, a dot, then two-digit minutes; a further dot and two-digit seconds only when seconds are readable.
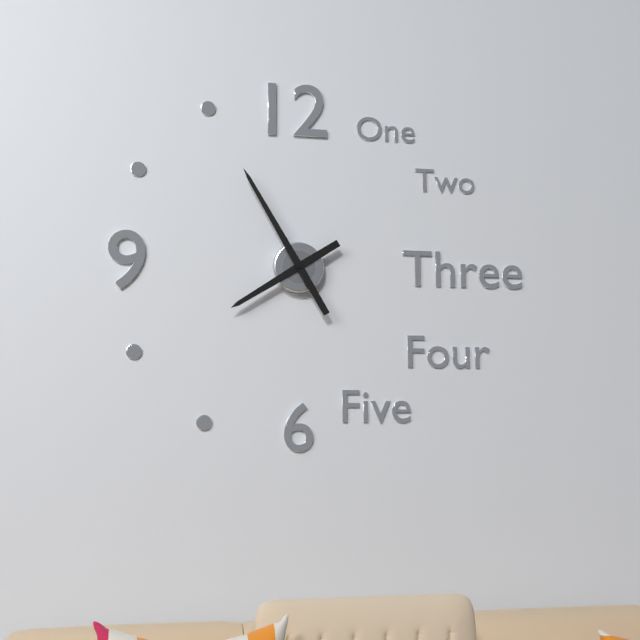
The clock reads 7.55
